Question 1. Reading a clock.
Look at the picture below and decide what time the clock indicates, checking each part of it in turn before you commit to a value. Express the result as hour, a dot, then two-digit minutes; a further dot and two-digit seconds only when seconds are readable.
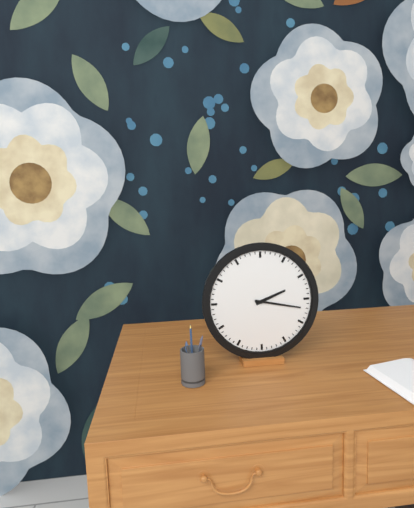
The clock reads 2.17
